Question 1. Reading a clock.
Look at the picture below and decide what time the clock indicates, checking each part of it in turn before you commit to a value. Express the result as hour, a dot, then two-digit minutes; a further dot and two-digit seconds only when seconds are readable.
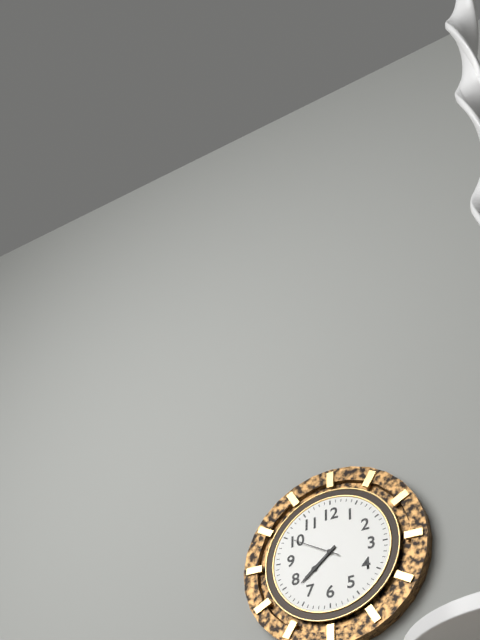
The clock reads 7.38
